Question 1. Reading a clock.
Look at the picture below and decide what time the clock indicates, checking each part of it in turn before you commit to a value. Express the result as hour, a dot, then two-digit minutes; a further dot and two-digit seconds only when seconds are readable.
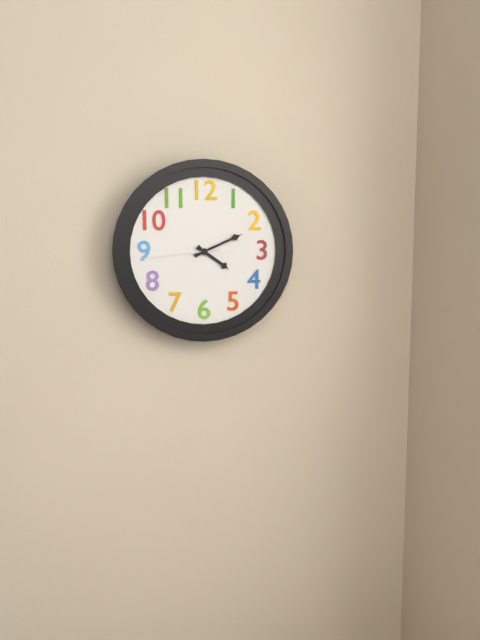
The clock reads 4.11.44
